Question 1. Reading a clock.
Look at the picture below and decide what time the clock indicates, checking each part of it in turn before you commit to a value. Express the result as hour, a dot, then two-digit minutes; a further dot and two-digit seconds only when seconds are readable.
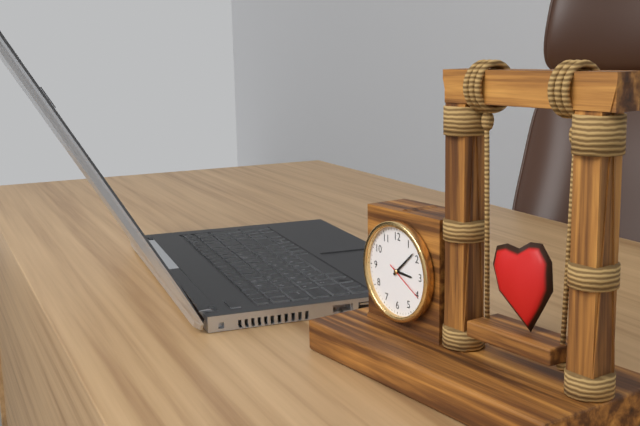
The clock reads 3.08
